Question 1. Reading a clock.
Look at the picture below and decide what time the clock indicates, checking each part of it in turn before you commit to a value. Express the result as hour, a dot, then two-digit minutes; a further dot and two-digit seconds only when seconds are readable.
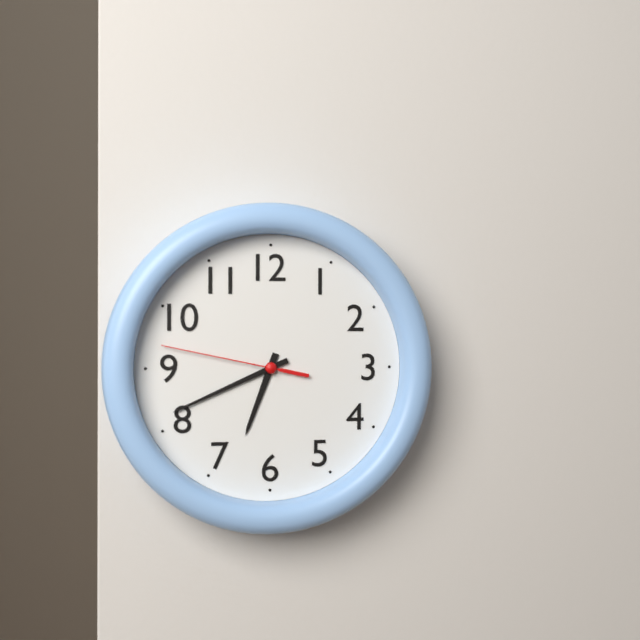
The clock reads 6.41.47
